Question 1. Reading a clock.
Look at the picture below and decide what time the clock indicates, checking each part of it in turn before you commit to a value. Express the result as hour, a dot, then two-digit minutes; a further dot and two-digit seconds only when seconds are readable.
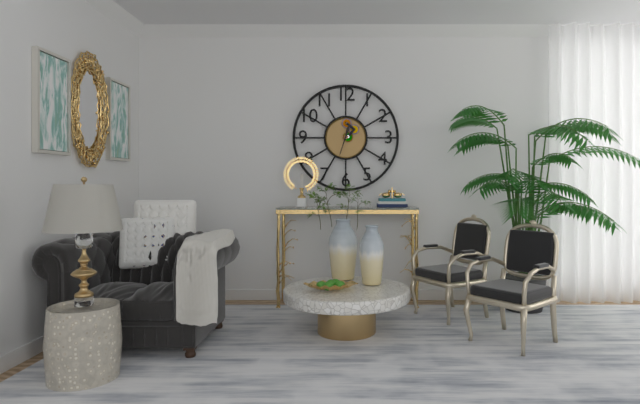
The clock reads 12.33
